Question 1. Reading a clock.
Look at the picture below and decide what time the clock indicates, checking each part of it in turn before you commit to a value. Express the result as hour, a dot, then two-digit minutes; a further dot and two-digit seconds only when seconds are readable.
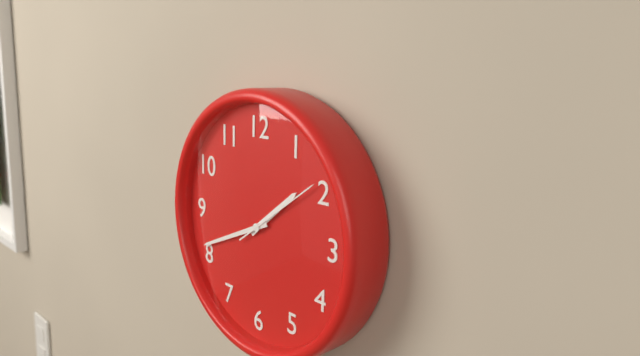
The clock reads 1.41.09
